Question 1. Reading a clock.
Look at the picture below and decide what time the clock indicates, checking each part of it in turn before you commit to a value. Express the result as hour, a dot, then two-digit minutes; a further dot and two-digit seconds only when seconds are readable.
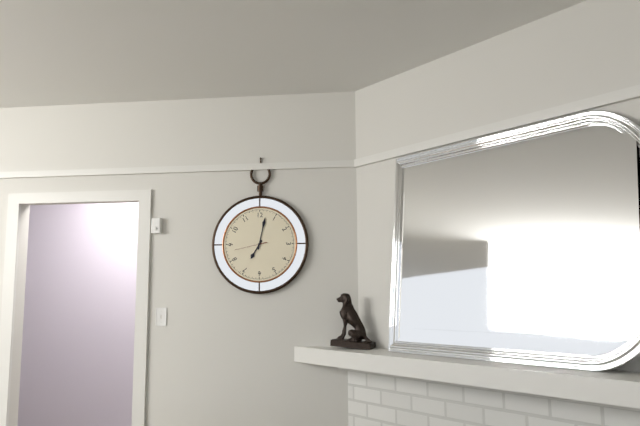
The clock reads 7.02
